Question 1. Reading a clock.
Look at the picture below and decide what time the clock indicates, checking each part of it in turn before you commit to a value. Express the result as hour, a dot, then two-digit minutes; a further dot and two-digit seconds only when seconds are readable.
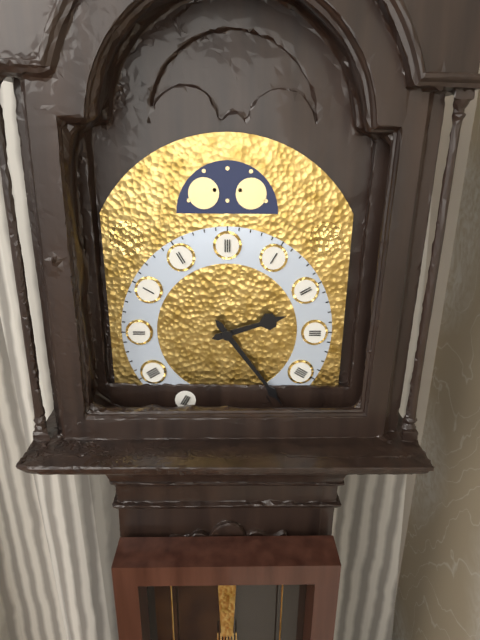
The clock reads 2.24
